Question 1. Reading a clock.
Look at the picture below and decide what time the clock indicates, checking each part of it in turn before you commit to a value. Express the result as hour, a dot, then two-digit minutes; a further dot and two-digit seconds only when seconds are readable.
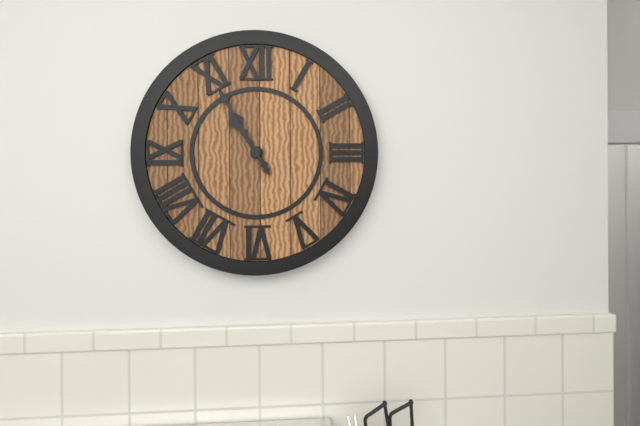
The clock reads 10.55
